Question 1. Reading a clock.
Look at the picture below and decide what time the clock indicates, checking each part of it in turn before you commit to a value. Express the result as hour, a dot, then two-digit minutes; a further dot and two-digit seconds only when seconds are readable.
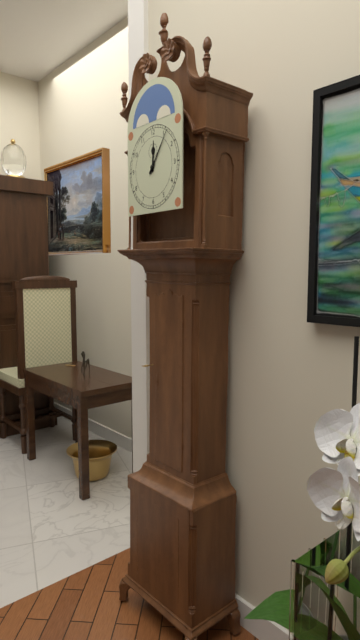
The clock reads 12.06
